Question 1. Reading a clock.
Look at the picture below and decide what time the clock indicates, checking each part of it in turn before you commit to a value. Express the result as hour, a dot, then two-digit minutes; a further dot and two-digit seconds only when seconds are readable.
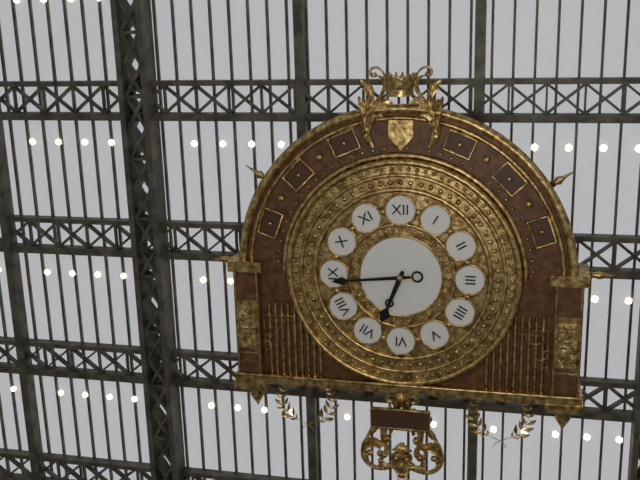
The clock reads 6.44
